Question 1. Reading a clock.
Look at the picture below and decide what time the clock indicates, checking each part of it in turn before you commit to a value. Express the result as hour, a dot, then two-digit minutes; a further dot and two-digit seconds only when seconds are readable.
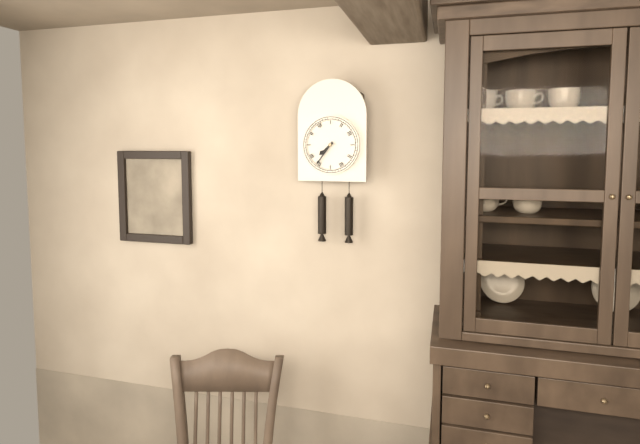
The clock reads 7.36
